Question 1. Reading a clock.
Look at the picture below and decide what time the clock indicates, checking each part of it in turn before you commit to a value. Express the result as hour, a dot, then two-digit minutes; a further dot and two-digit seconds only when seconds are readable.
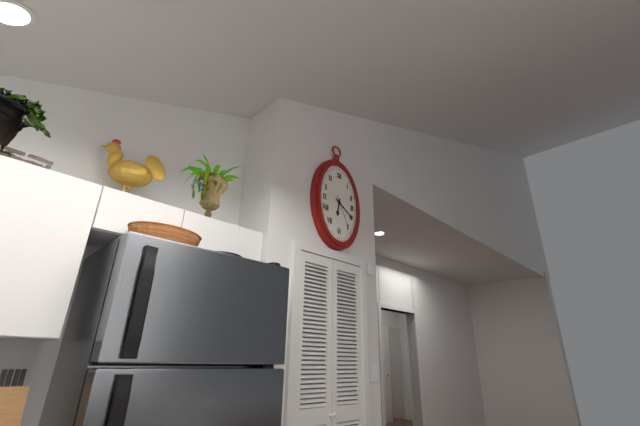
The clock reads 6.20
